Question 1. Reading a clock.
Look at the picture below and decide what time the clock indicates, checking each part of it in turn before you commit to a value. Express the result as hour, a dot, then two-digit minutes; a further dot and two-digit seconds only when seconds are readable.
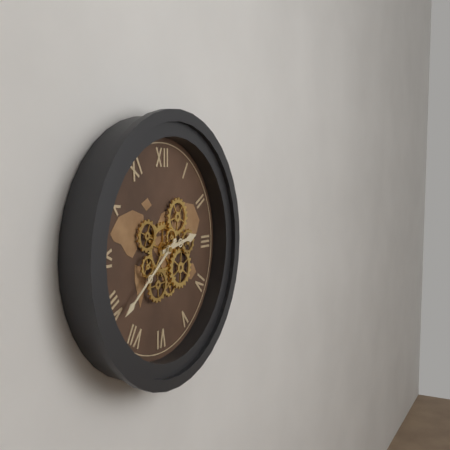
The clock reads 2.39
